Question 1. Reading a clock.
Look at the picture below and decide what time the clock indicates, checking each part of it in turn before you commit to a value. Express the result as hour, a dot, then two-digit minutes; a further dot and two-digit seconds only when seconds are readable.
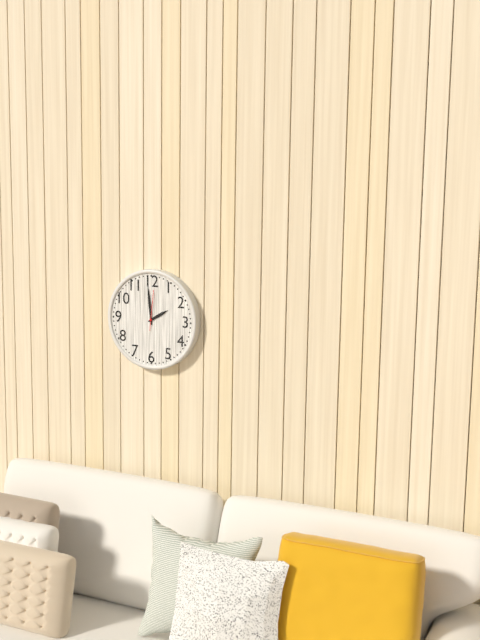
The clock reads 1.59
